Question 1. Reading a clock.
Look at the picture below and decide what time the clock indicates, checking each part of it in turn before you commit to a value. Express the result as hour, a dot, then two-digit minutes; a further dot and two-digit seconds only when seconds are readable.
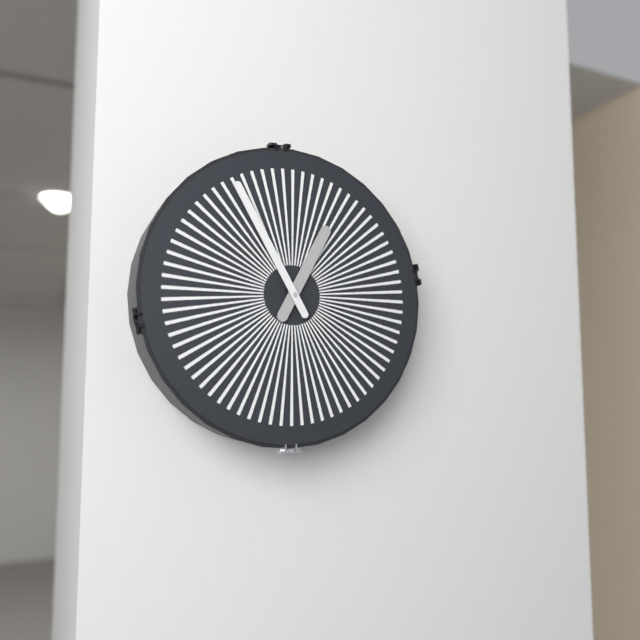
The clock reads 12.55
